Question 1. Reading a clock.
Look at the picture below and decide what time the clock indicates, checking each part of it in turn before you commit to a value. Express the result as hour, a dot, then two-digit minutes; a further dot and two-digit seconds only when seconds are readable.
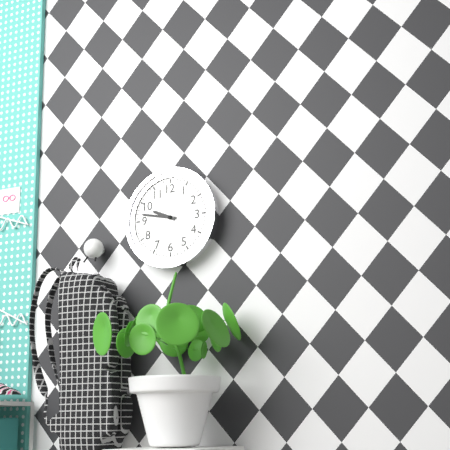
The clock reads 9.47
